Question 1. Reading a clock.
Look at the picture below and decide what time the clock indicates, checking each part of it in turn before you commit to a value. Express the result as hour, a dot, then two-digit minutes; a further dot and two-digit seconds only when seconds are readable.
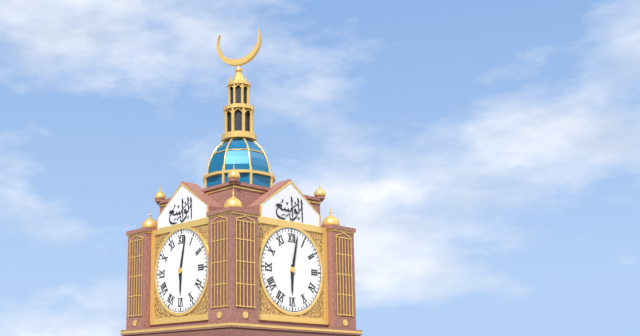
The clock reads 6.02
